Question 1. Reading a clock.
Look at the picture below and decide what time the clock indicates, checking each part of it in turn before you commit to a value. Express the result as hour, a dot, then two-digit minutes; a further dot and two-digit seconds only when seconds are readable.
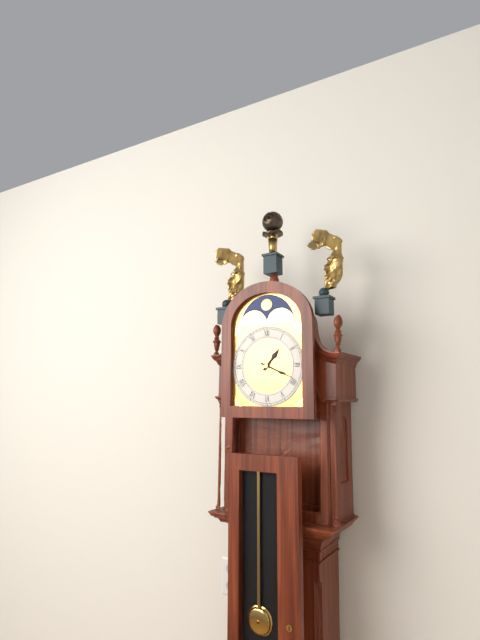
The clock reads 1.19
